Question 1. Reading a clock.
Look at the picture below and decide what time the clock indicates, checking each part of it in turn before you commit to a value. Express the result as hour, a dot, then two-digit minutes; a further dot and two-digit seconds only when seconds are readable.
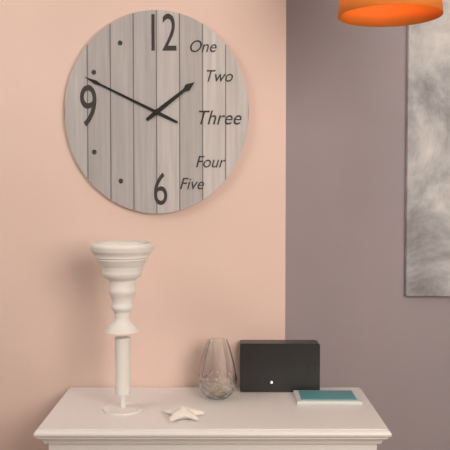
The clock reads 1.49
